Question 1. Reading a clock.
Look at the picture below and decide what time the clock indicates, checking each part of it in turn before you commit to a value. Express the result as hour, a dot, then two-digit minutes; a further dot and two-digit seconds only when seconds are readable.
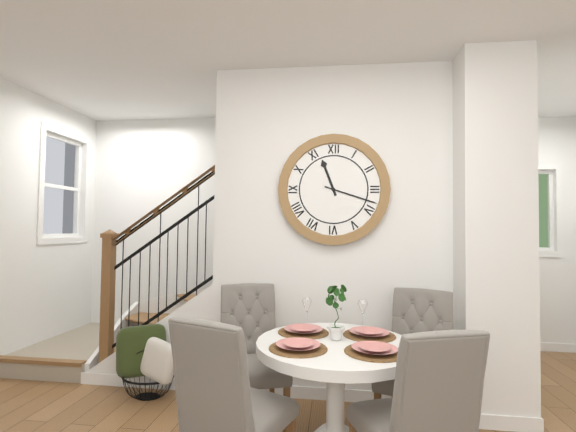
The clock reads 11.18
